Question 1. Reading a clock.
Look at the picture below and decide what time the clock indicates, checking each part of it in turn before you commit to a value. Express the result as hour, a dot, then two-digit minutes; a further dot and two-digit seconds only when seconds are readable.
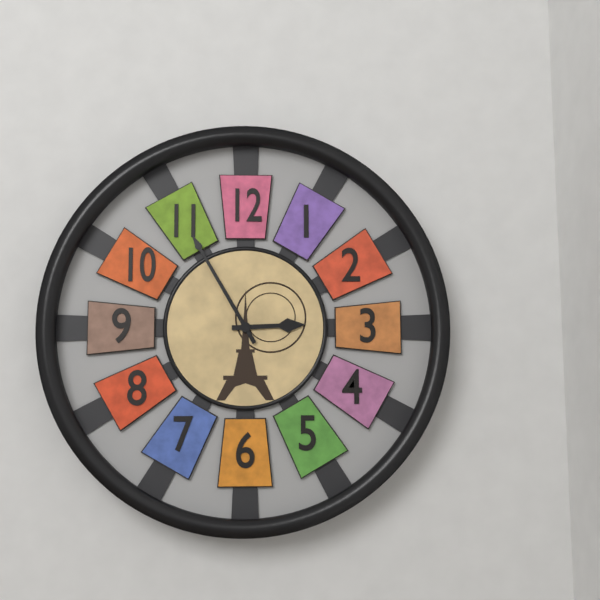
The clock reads 2.55
